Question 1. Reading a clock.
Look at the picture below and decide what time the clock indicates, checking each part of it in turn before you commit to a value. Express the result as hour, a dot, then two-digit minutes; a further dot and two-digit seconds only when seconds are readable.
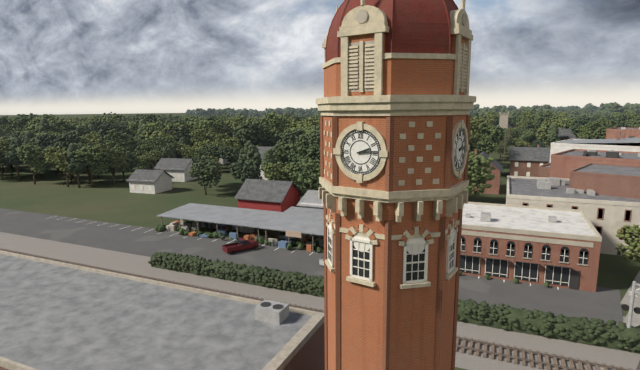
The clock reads 2.14
